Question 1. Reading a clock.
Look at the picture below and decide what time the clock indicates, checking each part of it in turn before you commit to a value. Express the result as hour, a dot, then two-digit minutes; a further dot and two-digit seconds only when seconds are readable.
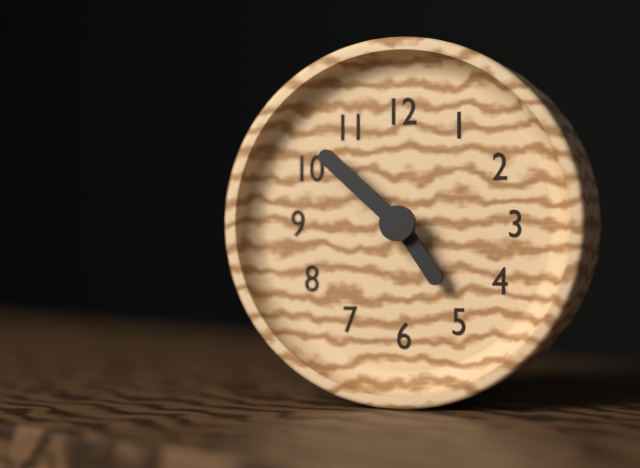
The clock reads 4.52
